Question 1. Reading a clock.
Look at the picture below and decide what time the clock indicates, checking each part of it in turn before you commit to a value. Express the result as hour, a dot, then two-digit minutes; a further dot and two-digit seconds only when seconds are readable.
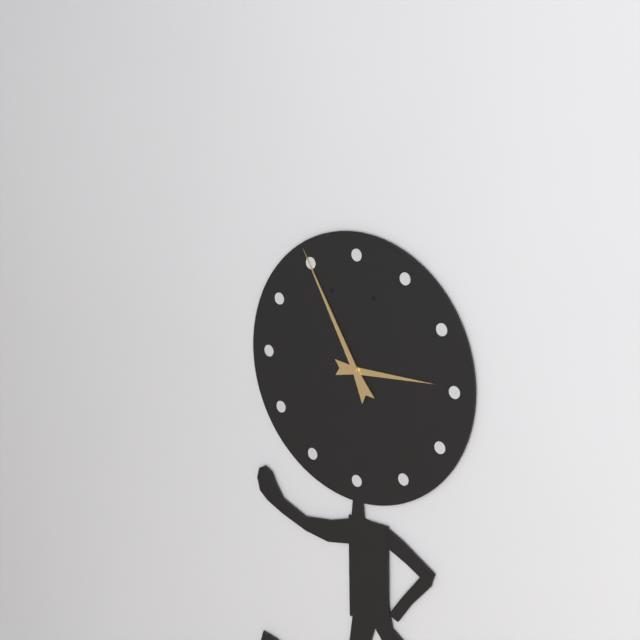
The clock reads 2.55
